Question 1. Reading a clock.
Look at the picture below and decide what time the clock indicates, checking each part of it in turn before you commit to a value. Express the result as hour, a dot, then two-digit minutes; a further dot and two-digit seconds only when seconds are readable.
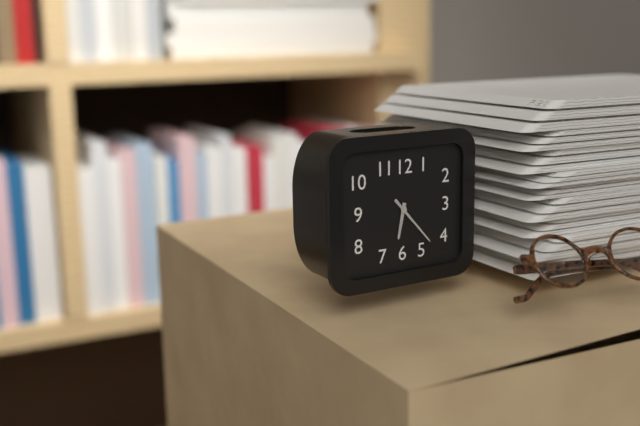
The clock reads 6.23
